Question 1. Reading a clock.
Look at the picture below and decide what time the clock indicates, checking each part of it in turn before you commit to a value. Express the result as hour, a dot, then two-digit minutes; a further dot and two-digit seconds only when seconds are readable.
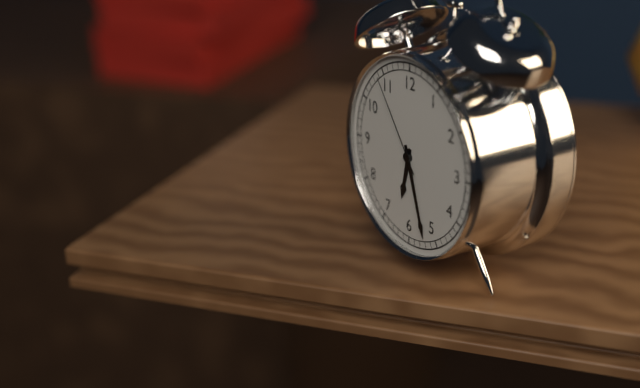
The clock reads 6.27.54
